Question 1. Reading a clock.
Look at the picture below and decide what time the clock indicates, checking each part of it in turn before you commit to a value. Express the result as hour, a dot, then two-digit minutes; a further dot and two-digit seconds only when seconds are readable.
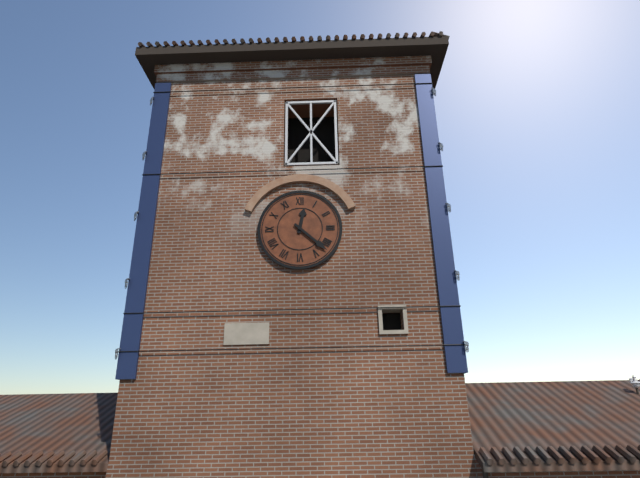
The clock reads 12.22
